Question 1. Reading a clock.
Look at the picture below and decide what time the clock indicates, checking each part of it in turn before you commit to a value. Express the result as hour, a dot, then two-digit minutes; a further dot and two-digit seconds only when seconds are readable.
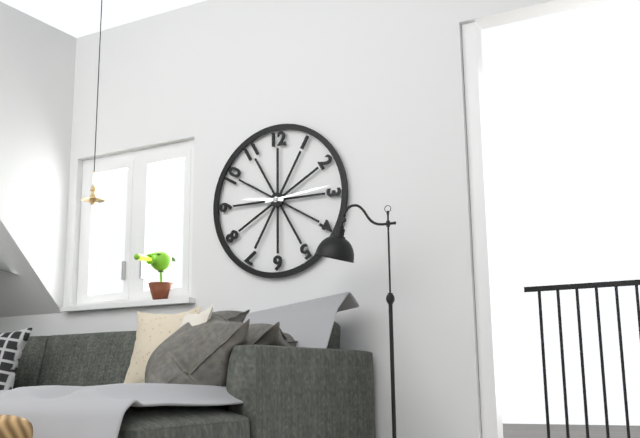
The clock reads 9.14
